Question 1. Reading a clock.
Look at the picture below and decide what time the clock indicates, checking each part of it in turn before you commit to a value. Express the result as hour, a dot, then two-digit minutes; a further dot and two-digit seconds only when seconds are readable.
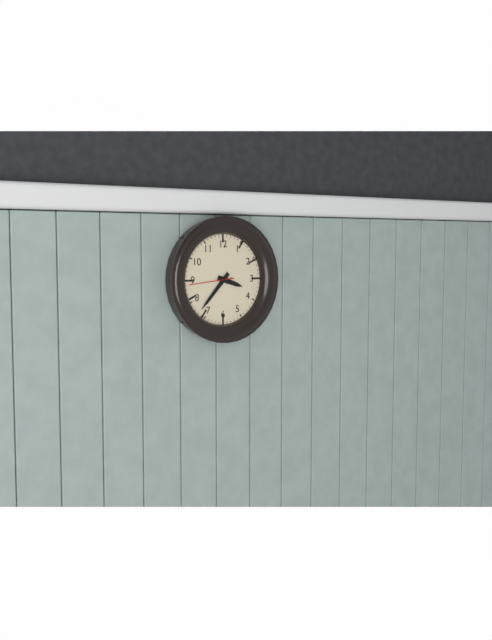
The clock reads 3.37
